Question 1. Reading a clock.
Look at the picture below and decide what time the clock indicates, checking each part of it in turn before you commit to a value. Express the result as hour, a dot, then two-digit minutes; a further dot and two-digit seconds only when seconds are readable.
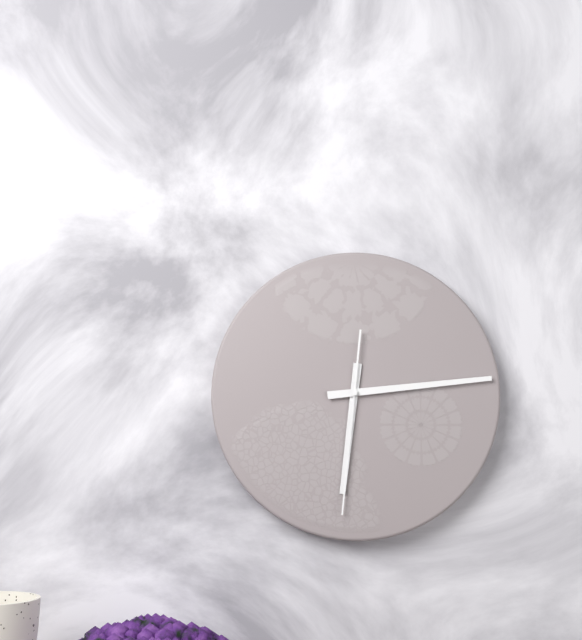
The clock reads 6.14.31
